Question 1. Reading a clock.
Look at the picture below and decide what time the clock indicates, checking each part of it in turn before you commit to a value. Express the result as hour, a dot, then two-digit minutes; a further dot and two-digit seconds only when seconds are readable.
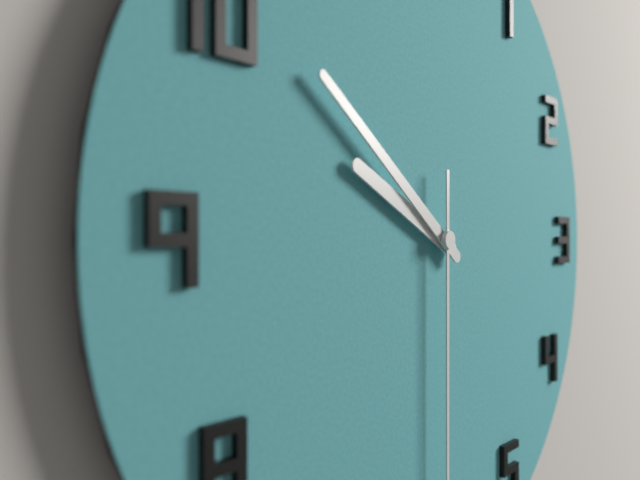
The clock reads 9.51
